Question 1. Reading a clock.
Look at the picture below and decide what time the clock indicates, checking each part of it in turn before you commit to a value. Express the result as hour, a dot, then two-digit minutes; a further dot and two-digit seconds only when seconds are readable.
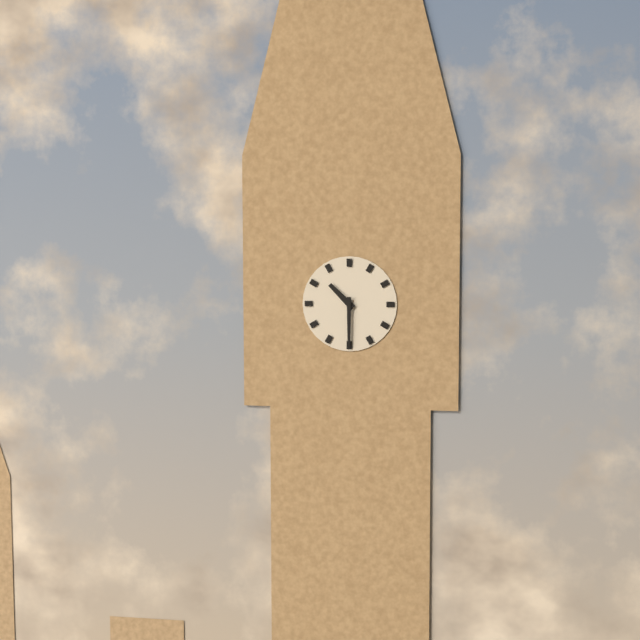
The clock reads 10.30
